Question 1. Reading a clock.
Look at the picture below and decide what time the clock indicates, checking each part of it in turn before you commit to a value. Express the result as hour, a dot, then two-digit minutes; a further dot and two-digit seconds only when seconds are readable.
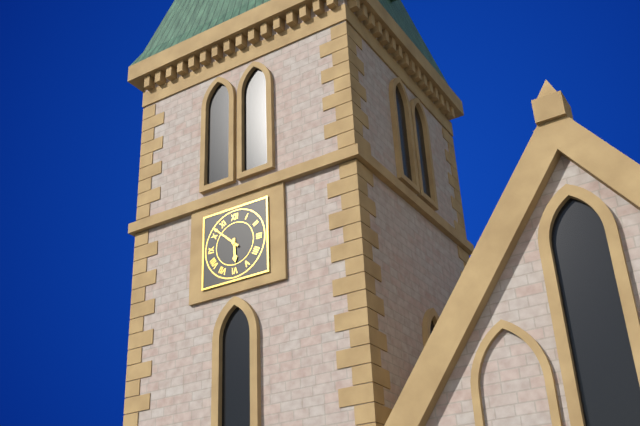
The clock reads 5.52
